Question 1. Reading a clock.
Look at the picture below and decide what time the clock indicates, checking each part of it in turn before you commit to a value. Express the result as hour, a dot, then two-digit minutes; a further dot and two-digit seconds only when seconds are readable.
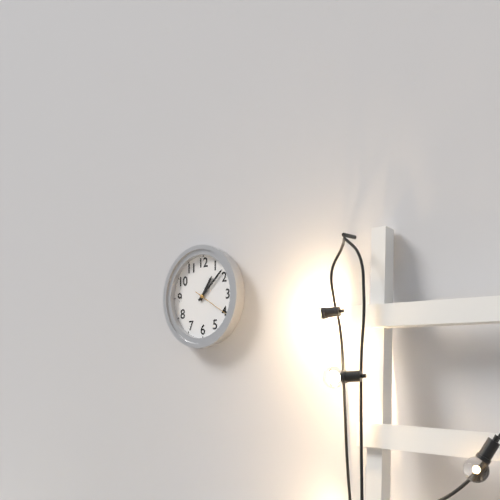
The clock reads 1.08
